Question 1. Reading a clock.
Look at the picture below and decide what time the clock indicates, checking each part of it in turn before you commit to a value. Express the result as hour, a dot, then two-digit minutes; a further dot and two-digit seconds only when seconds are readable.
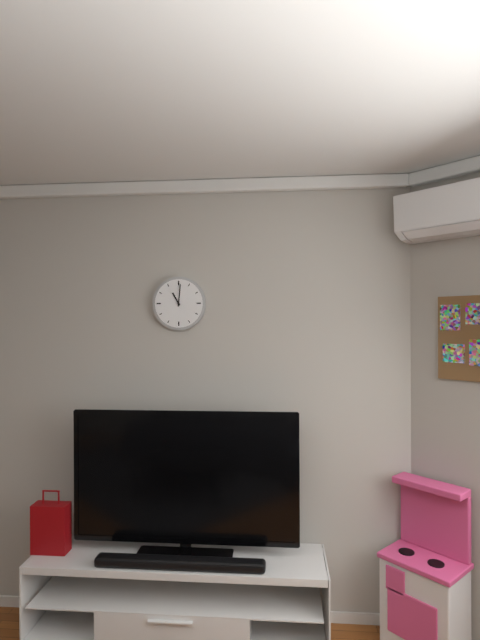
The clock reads 11.01
